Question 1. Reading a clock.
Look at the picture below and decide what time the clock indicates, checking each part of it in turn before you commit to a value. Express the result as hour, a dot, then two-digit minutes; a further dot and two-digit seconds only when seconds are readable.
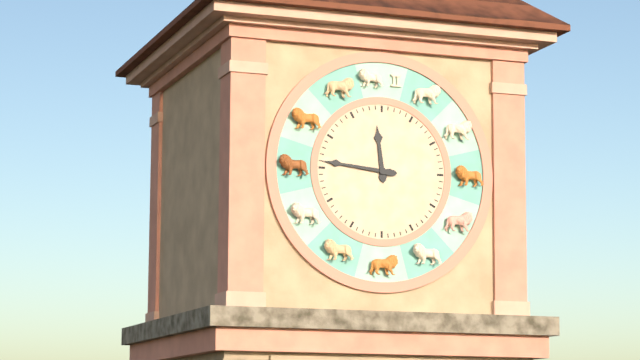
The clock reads 11.46
